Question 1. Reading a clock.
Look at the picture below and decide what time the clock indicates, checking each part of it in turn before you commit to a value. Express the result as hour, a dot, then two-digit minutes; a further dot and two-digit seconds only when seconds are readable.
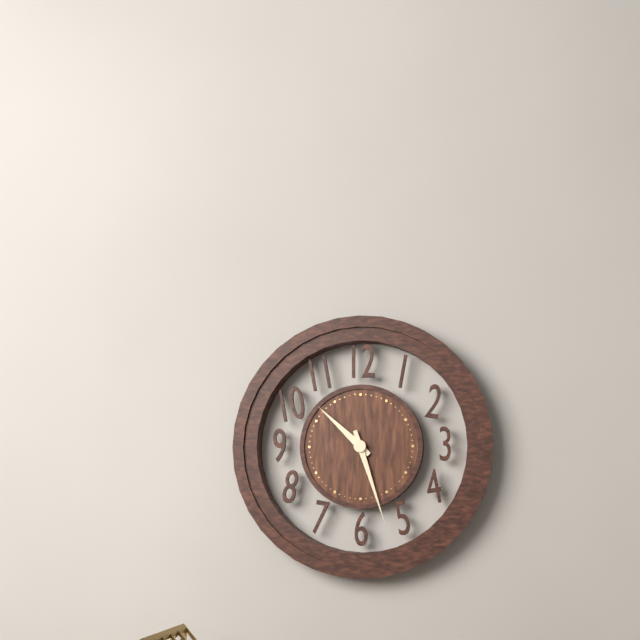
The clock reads 10.27
